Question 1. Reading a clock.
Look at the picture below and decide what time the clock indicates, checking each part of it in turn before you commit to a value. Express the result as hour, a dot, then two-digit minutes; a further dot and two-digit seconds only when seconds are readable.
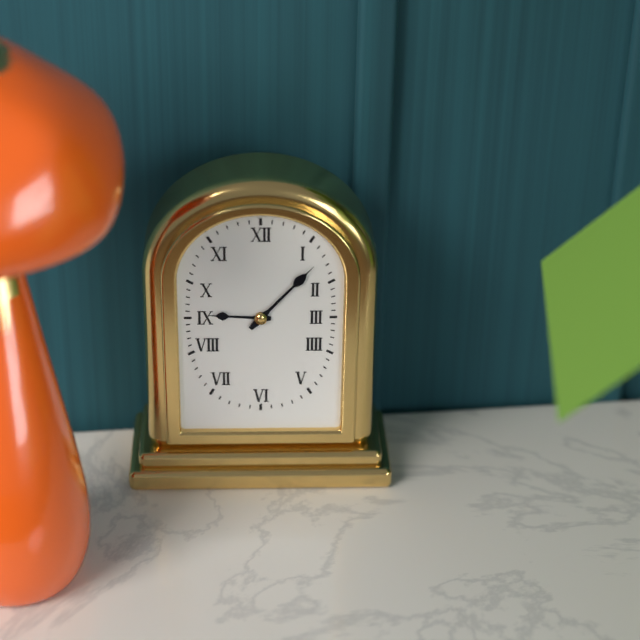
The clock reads 9.07
